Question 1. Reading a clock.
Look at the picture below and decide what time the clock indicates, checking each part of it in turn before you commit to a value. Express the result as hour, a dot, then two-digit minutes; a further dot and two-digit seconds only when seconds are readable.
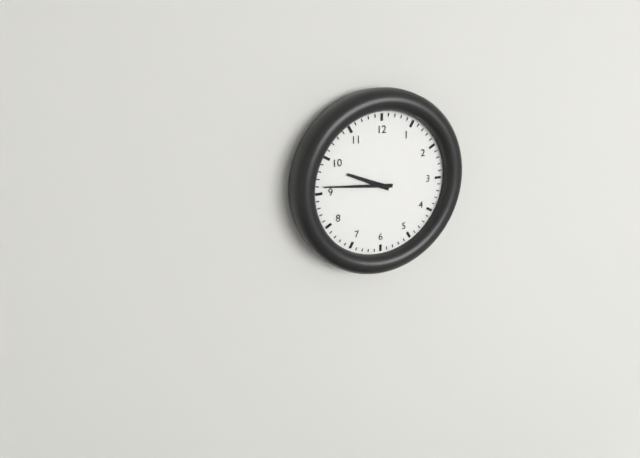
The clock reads 9.46
